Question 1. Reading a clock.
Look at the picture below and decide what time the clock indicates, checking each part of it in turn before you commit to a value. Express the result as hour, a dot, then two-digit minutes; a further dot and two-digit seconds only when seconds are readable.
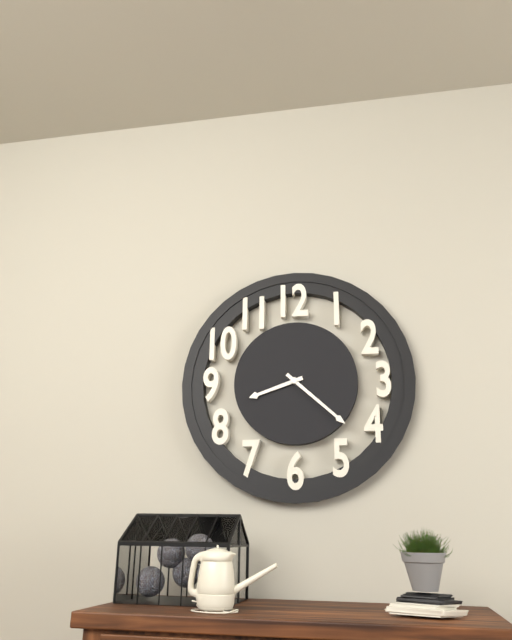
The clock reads 8.22
